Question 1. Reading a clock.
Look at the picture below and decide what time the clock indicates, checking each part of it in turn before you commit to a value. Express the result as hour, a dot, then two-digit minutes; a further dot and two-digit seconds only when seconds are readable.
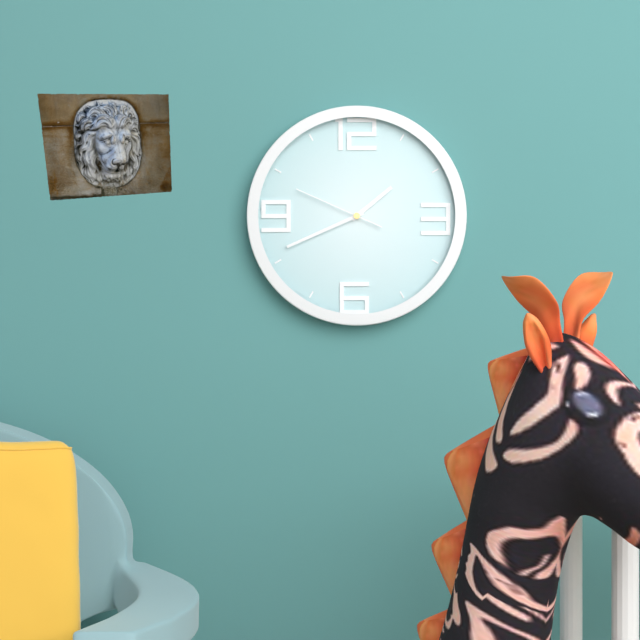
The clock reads 1.41.49
